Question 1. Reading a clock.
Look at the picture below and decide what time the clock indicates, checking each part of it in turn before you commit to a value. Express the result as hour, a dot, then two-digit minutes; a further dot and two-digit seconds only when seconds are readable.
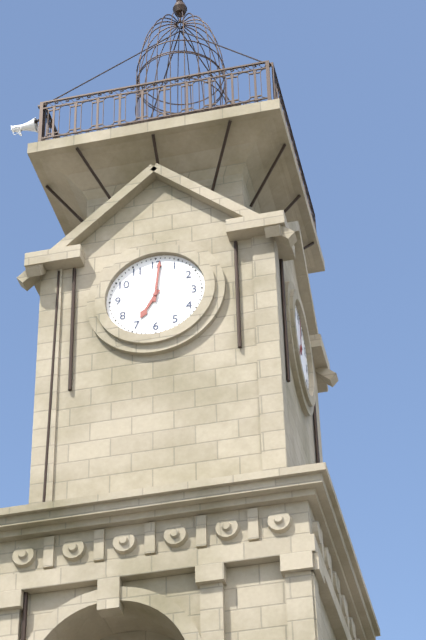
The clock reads 7.01
